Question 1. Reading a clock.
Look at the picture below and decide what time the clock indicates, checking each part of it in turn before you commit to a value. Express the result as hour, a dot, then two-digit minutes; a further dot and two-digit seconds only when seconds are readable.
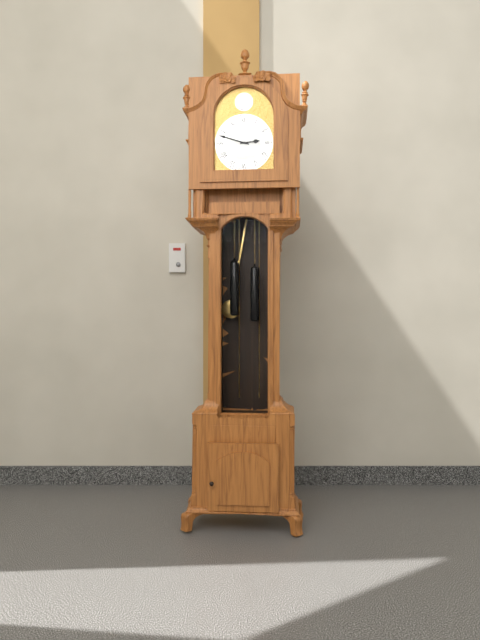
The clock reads 2.48
